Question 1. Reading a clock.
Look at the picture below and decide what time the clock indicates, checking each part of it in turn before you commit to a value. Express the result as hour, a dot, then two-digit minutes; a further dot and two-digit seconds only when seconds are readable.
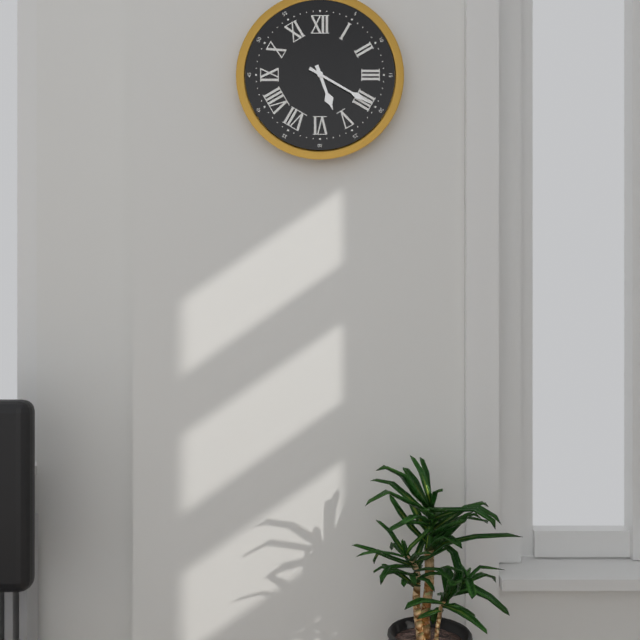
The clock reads 5.20
